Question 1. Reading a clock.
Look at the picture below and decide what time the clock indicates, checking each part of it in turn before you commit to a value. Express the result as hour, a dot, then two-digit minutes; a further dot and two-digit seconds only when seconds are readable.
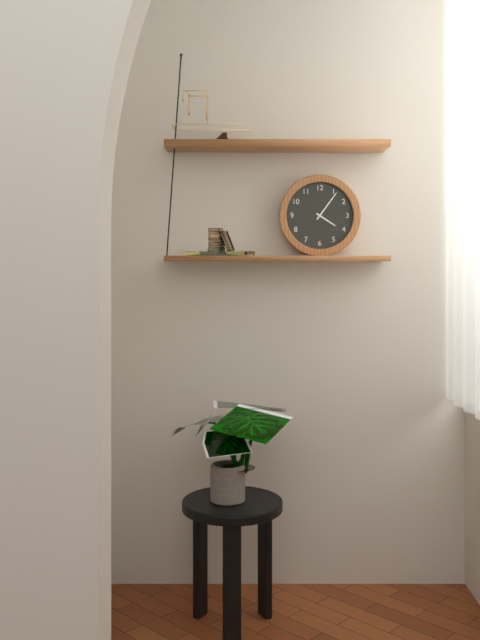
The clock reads 4.06
